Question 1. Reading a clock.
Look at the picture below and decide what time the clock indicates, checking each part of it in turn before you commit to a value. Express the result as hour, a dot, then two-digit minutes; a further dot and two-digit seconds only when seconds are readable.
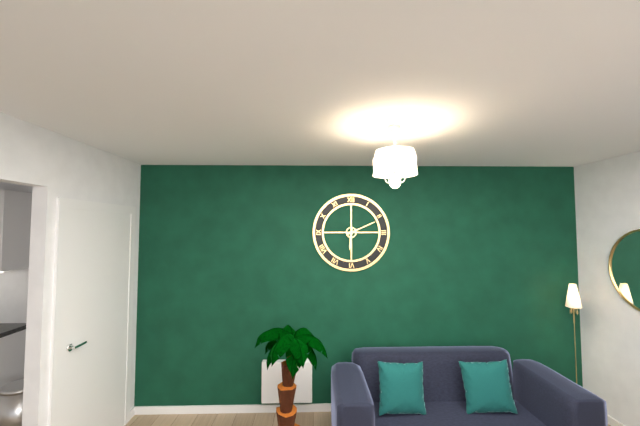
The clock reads 6.11
